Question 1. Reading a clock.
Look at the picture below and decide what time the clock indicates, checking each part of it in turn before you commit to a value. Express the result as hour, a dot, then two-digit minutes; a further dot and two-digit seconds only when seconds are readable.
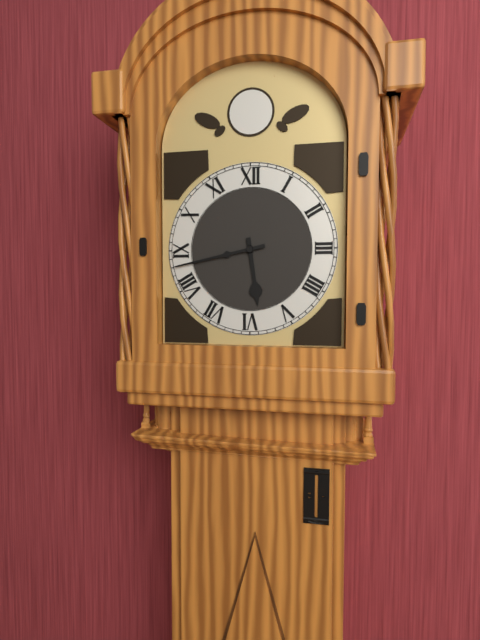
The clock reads 5.43
